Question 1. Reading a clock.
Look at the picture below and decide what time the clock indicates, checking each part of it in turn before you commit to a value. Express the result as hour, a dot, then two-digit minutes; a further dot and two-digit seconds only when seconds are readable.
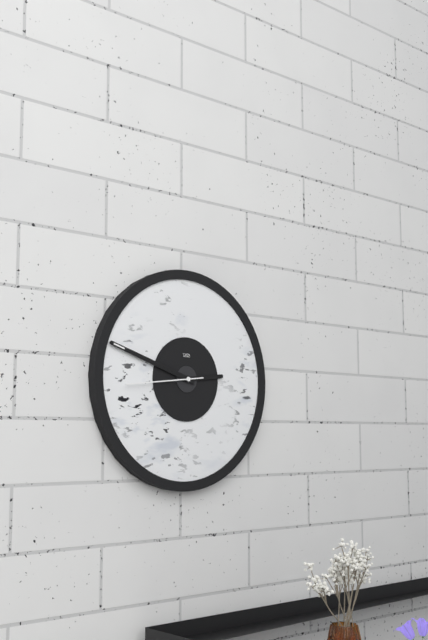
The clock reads 2.48.44
